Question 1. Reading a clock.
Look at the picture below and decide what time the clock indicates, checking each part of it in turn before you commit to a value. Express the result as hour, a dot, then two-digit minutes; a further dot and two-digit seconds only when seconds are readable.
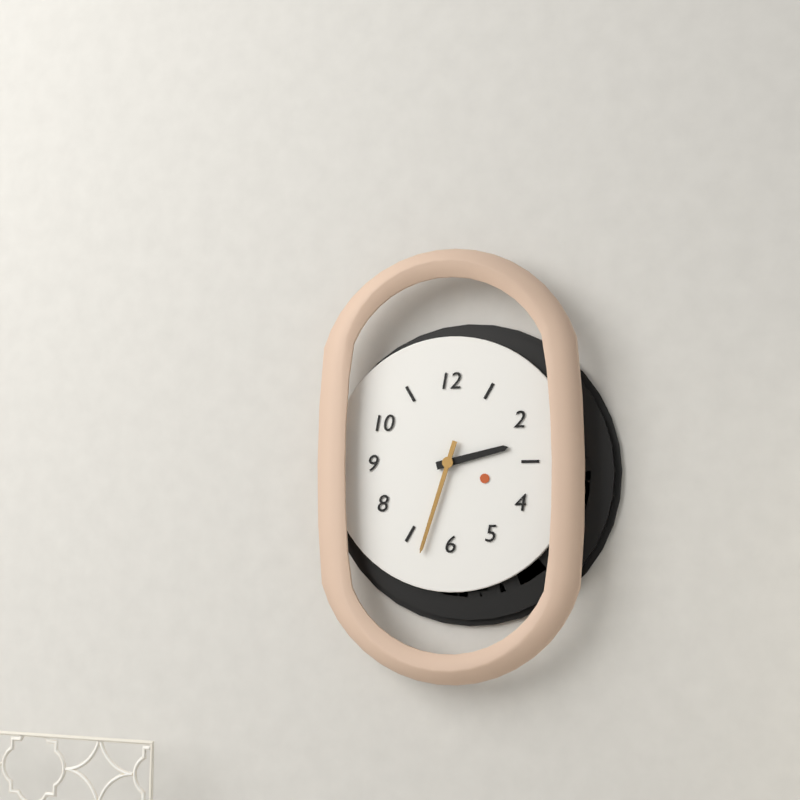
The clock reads 2.33
